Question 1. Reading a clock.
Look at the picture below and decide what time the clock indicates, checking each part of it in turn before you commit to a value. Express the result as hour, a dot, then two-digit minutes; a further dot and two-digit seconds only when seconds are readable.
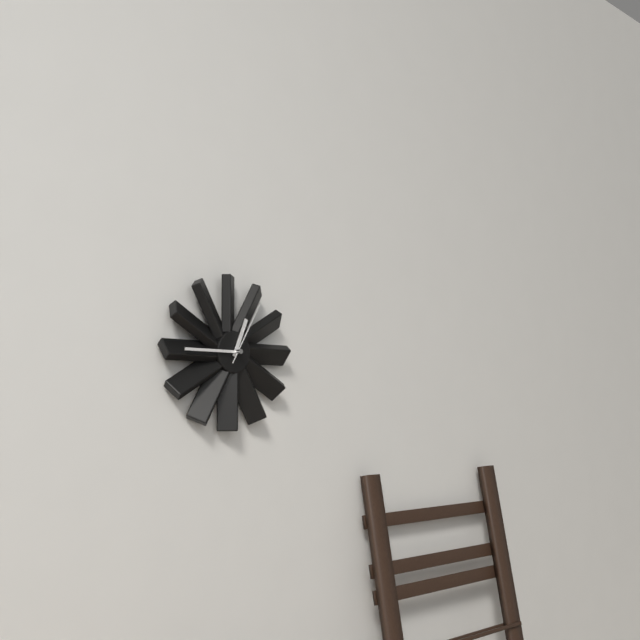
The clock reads 12.45.05
